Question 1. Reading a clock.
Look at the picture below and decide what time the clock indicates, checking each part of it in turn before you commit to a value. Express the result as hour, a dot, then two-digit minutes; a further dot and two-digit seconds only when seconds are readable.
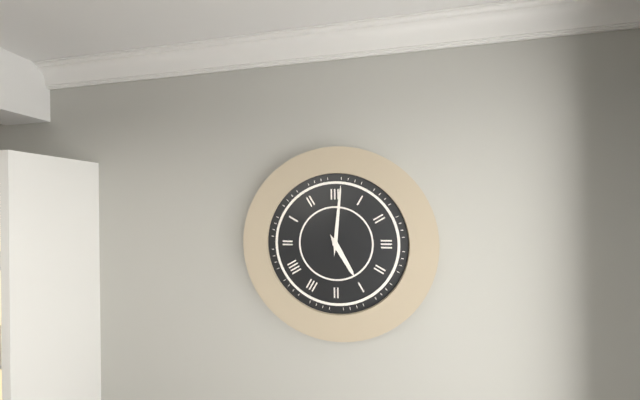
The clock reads 5.01
